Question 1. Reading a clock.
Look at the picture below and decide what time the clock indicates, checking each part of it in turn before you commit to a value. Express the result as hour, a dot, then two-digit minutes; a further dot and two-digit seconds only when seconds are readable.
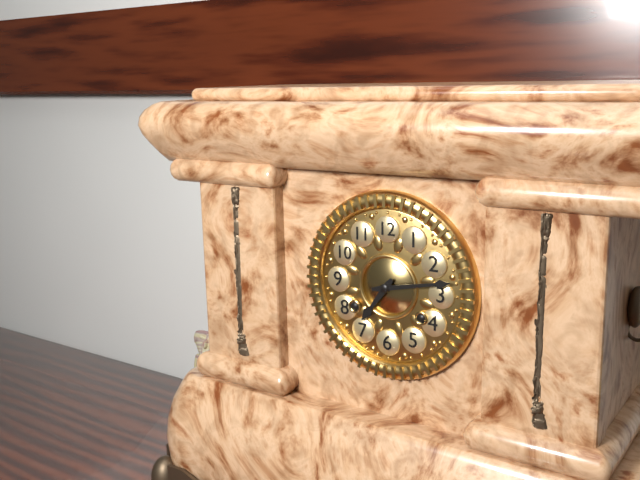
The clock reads 7.13
